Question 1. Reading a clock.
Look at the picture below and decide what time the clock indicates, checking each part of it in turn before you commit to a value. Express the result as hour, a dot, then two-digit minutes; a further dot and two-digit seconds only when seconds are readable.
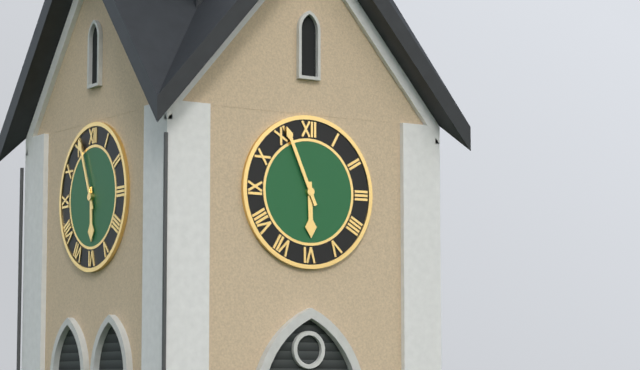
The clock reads 5.56
